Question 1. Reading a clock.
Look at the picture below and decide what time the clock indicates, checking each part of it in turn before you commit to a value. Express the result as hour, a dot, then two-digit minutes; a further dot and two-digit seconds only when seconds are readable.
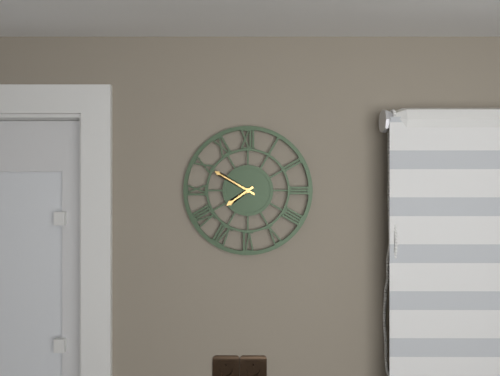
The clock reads 7.50
